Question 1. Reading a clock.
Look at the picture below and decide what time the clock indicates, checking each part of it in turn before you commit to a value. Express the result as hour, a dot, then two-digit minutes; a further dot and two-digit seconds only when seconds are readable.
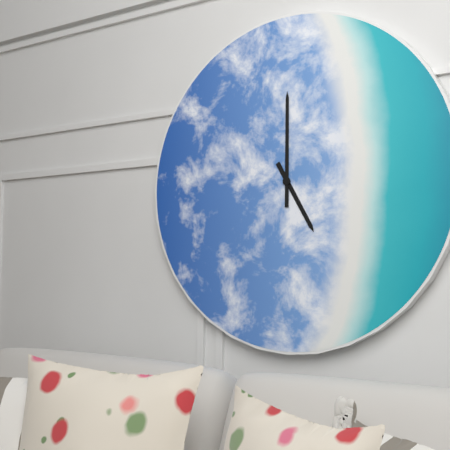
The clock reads 5.00
